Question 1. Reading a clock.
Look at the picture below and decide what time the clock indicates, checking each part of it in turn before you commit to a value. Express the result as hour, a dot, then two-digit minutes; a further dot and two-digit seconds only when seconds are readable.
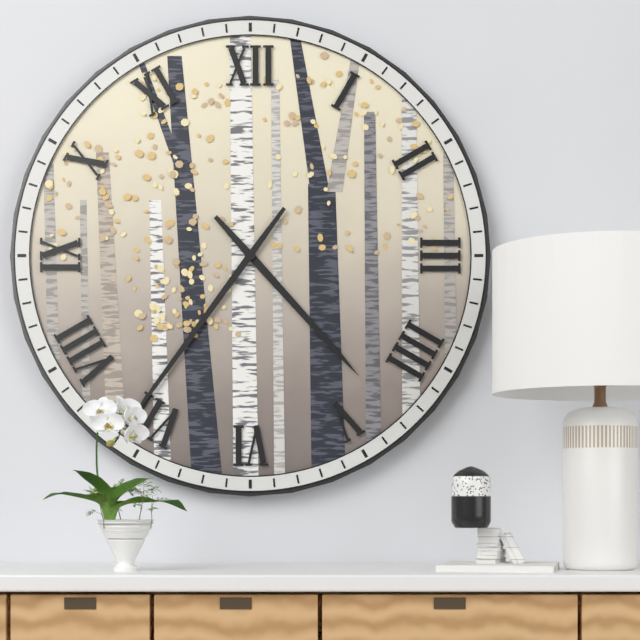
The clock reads 4.36
